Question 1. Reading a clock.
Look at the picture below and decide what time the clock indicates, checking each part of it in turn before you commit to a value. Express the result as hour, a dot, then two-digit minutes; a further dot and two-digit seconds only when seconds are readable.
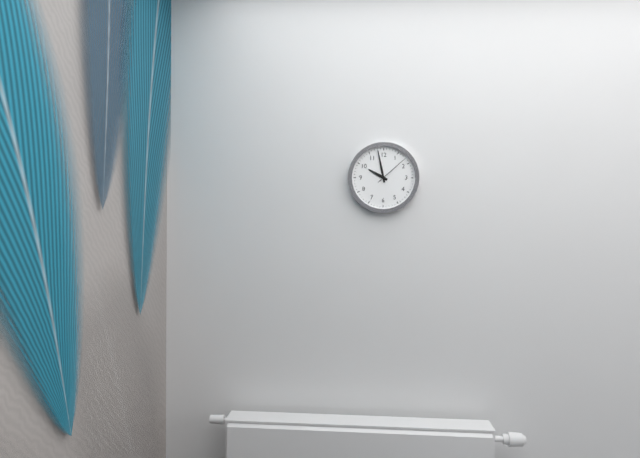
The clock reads 9.58
